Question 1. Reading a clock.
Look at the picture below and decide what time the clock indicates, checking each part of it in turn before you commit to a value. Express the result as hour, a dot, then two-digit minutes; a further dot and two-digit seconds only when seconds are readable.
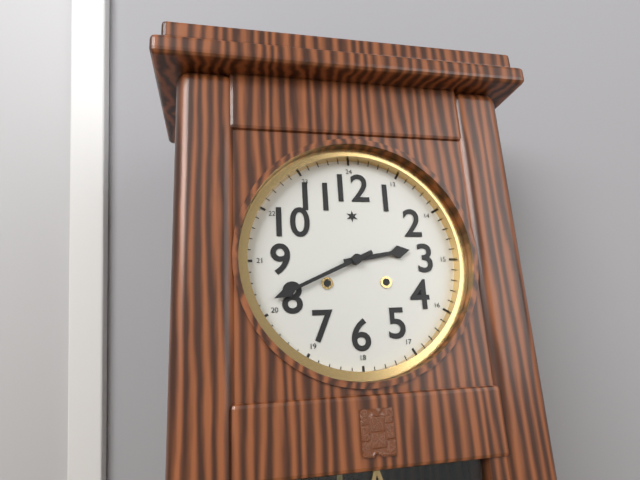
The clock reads 2.41
